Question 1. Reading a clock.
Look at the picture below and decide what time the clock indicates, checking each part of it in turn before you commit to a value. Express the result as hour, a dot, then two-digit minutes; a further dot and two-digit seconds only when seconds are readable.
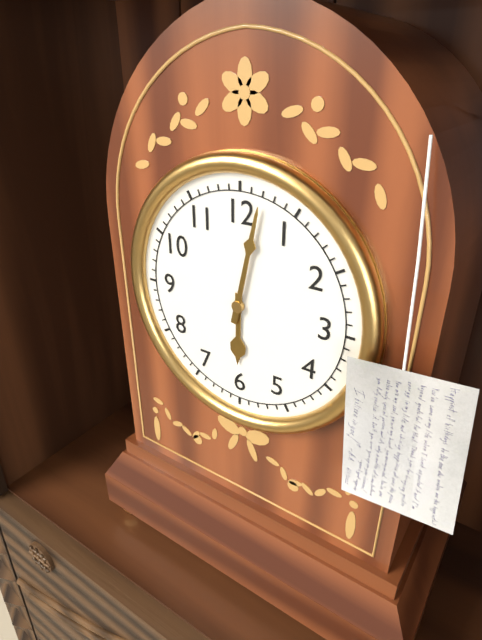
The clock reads 6.02
